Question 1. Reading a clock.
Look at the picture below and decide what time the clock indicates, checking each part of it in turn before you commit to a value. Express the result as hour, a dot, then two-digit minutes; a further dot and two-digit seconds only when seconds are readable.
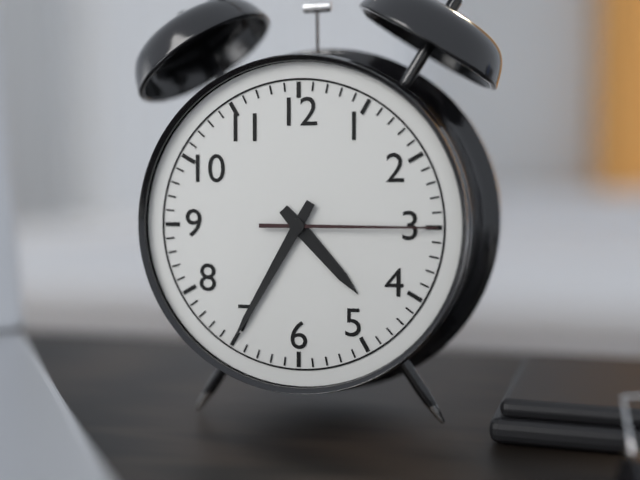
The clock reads 4.35.15
